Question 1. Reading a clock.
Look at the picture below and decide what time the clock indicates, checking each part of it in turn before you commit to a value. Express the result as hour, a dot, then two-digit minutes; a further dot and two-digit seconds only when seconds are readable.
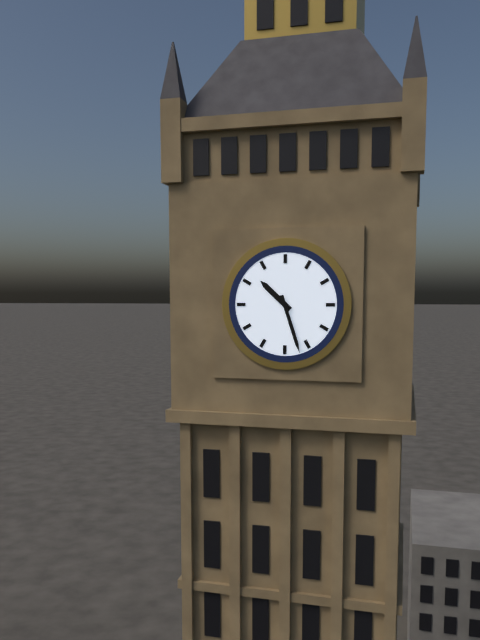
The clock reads 10.27
